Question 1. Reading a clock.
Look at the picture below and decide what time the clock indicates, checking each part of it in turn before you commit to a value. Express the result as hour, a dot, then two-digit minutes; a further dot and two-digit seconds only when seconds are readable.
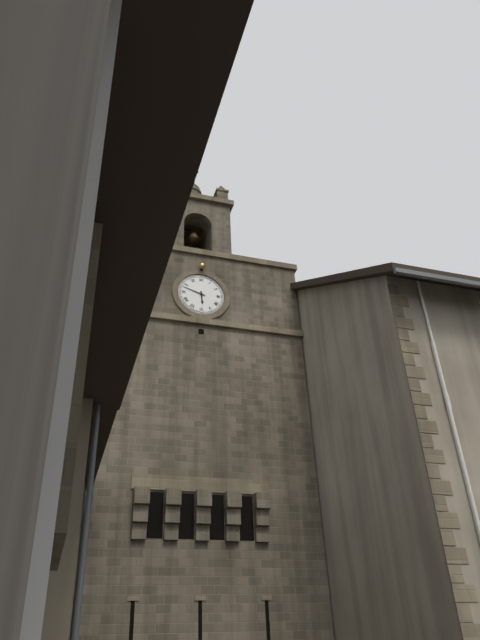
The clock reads 5.48
